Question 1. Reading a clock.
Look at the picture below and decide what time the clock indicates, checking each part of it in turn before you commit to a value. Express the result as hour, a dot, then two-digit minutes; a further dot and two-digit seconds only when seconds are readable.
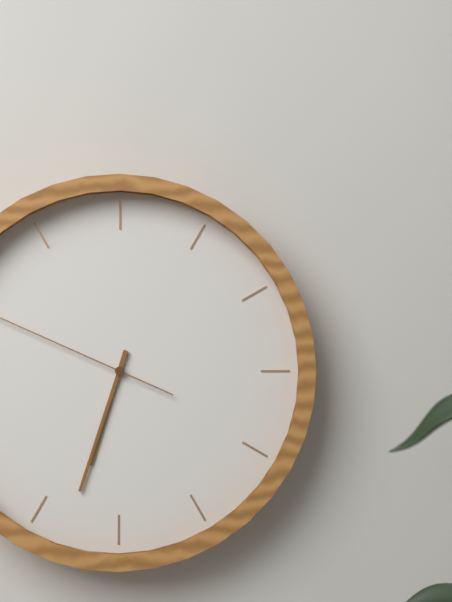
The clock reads 6.33
